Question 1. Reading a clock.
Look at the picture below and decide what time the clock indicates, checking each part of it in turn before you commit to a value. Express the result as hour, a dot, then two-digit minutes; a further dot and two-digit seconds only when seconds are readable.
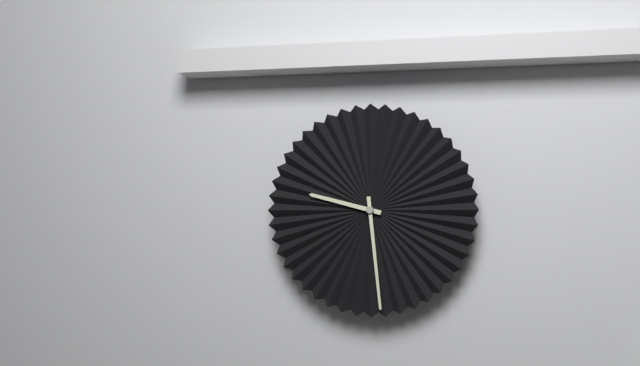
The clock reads 9.29
